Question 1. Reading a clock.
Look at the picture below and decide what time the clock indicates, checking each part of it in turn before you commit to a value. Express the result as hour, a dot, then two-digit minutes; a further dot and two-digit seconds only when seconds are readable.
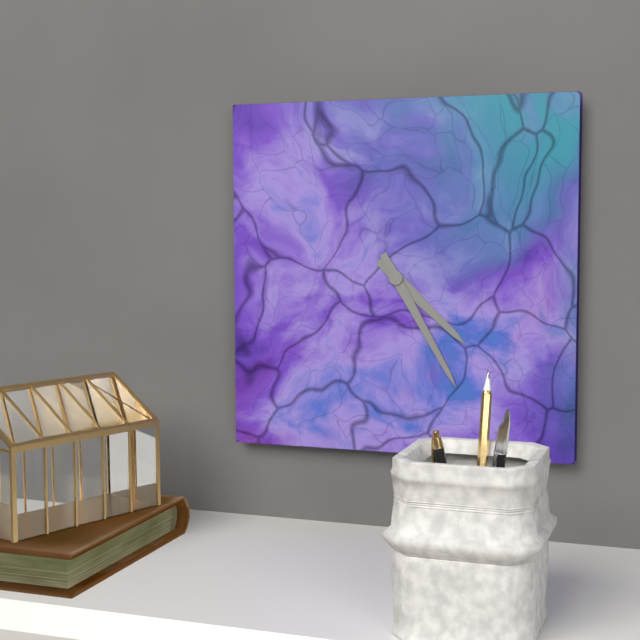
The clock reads 4.25
